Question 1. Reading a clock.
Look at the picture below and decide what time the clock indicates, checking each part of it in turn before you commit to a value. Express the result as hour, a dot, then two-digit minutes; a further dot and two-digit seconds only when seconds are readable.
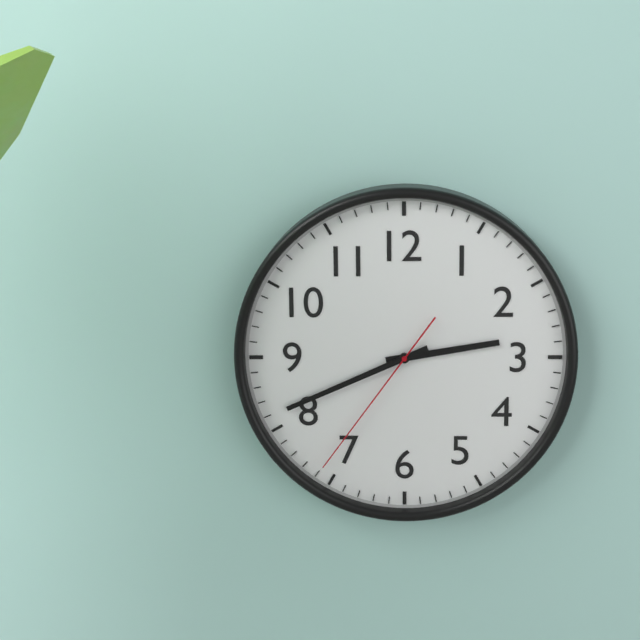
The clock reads 2.41.36
